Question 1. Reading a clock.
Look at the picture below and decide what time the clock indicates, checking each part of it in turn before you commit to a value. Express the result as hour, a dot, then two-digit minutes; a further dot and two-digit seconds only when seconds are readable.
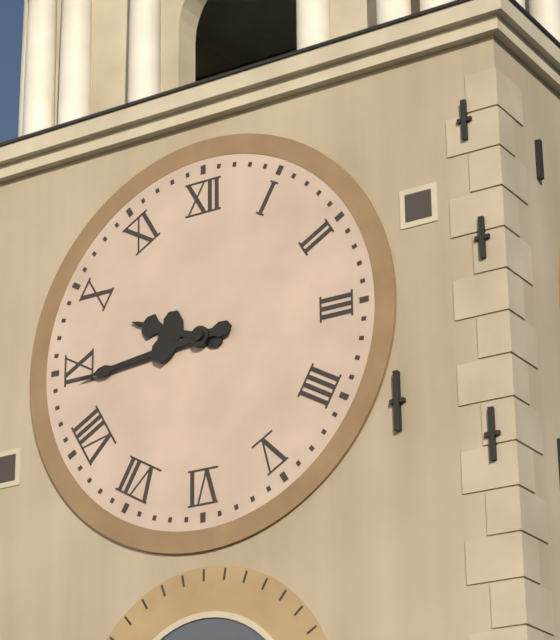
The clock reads 9.44
